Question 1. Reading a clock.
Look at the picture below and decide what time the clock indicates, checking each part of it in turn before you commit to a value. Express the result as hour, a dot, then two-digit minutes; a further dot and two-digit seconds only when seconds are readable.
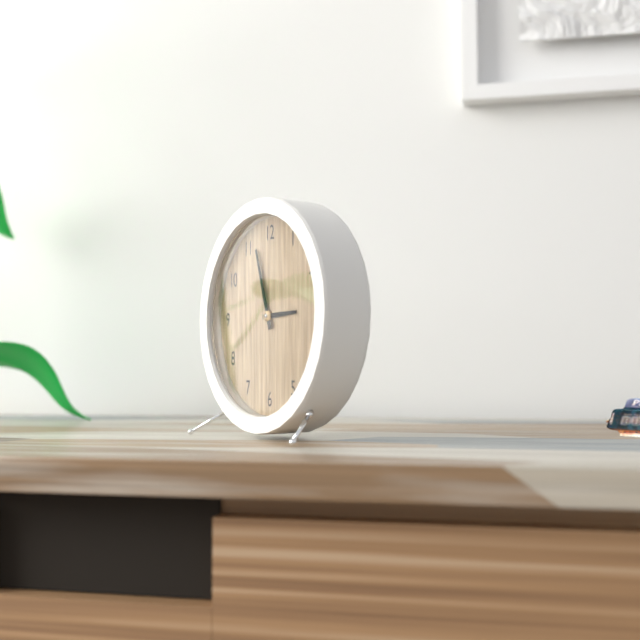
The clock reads 2.57
